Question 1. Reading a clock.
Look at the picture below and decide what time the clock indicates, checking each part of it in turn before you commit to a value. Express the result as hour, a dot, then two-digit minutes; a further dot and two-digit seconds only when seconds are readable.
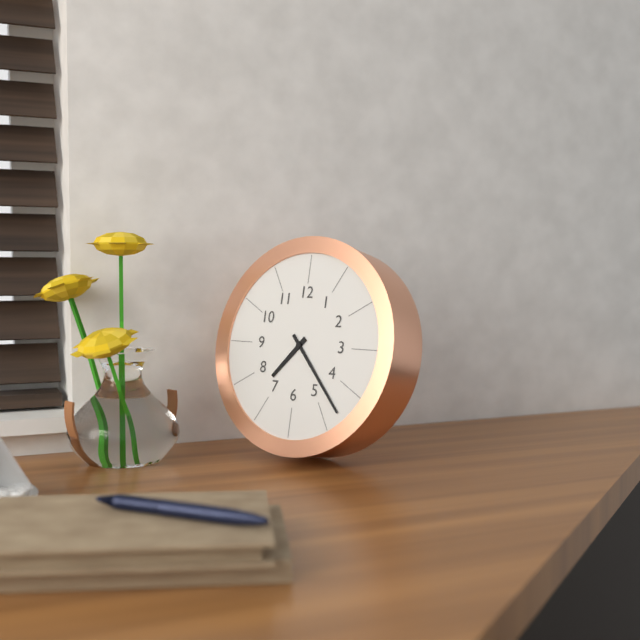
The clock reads 7.23
